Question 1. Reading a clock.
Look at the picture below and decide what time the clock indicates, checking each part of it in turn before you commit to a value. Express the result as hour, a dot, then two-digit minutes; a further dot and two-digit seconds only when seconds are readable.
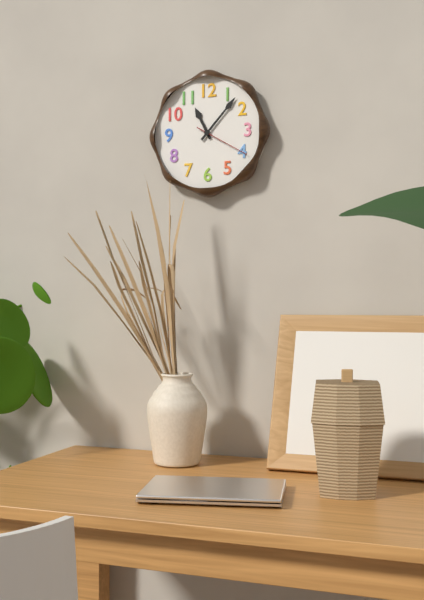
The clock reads 11.07.20
